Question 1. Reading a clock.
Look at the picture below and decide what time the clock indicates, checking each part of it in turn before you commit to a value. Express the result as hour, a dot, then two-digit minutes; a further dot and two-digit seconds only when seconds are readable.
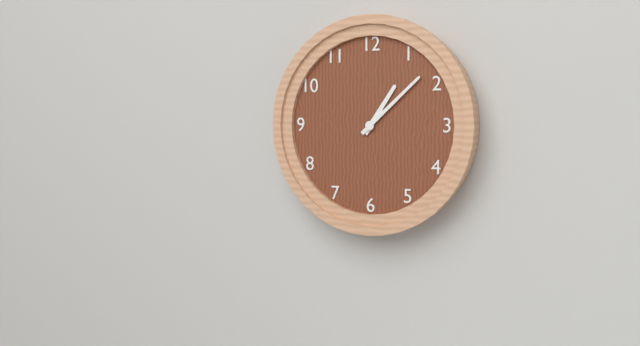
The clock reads 1.08
